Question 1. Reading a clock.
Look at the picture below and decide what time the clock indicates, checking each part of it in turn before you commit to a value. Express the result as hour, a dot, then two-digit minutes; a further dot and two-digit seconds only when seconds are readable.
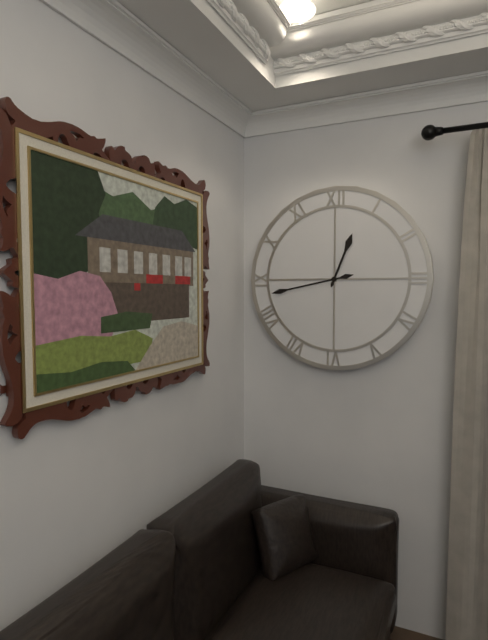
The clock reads 12.43
